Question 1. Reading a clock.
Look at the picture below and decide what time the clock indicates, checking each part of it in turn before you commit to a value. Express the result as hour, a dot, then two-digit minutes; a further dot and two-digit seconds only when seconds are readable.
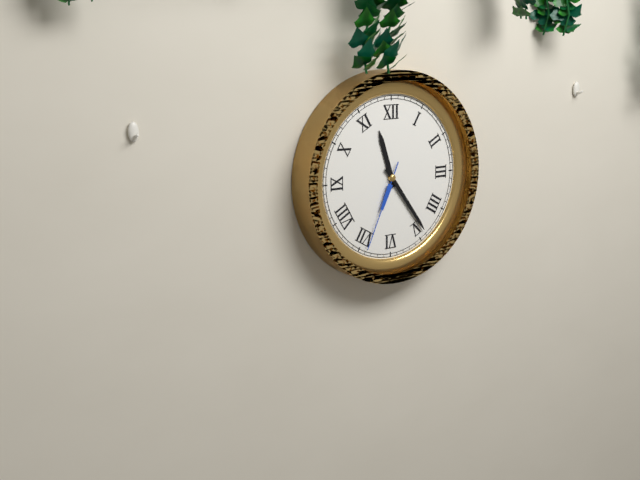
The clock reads 11.24.34
